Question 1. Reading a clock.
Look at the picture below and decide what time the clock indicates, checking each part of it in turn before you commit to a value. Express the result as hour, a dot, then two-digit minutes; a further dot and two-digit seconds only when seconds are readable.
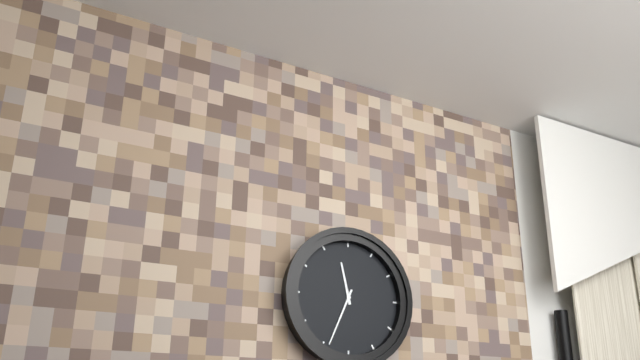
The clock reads 11.34
